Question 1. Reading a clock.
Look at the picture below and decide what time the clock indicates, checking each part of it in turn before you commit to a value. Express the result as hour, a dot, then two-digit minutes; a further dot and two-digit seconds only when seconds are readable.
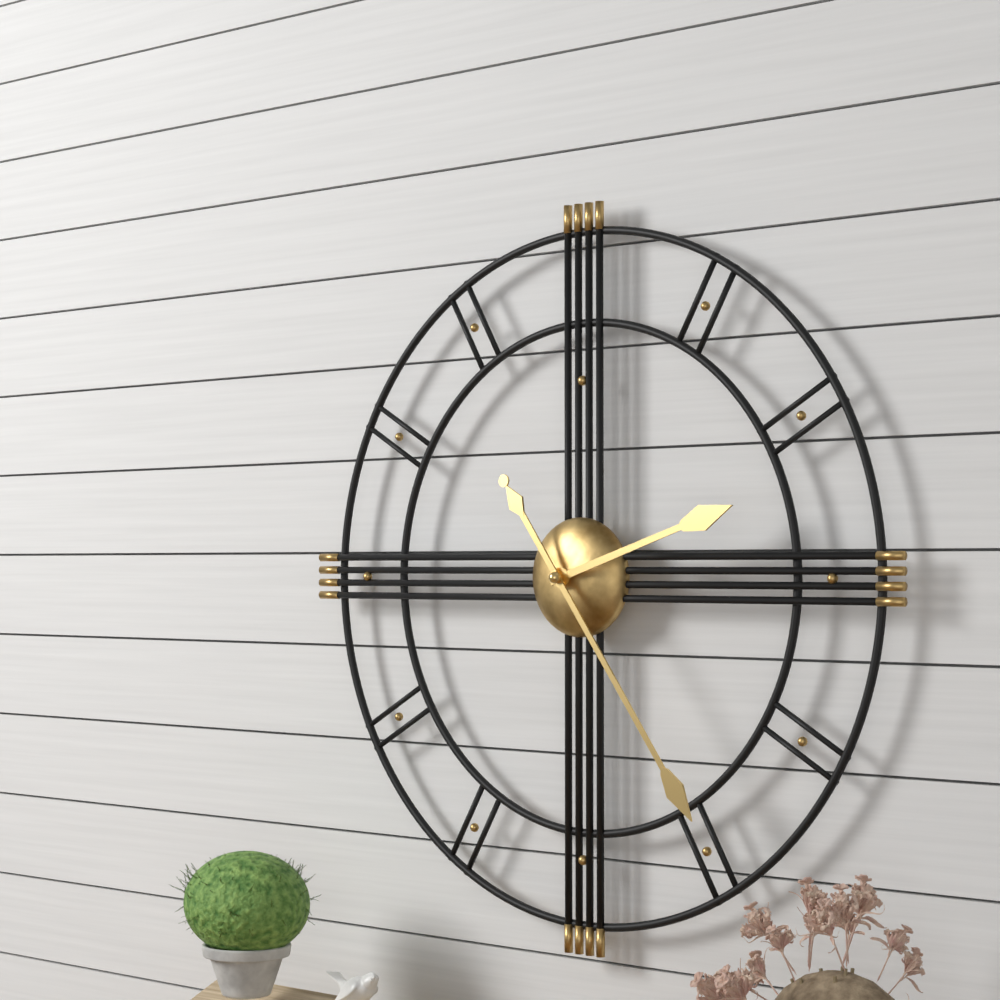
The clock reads 2.24
